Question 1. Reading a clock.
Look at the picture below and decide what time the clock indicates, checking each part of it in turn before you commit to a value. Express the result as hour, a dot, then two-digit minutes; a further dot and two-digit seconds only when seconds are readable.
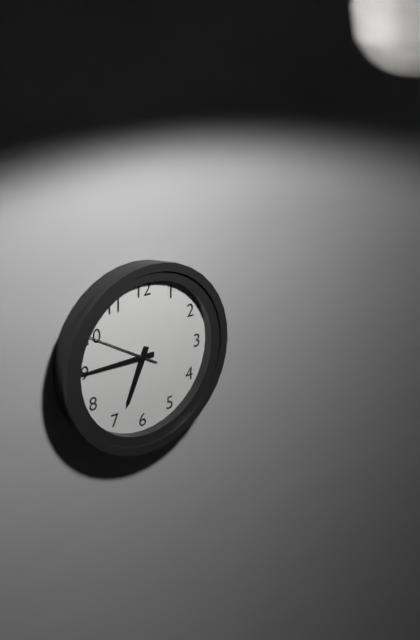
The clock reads 6.45.50
